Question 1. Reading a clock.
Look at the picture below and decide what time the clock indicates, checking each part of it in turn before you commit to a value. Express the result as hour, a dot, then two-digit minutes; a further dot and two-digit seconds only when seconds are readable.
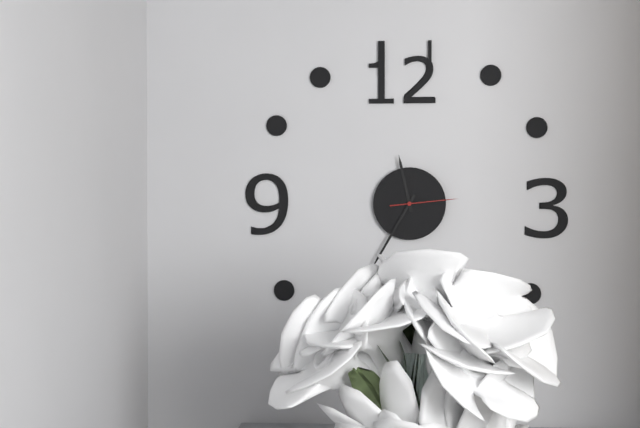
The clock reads 11.35.14
